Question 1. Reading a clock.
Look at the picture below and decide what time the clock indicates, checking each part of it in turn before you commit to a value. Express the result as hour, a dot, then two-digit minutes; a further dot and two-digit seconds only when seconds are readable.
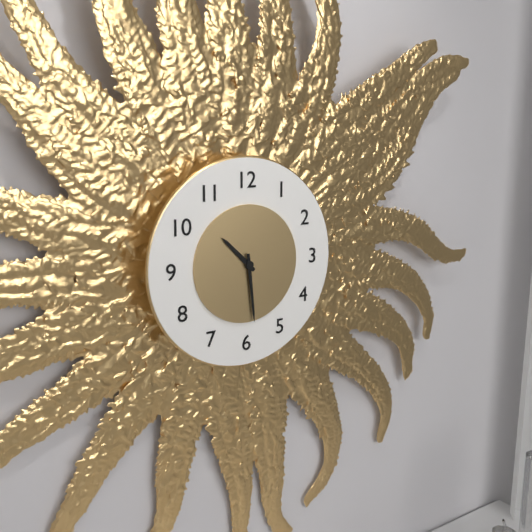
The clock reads 10.29
